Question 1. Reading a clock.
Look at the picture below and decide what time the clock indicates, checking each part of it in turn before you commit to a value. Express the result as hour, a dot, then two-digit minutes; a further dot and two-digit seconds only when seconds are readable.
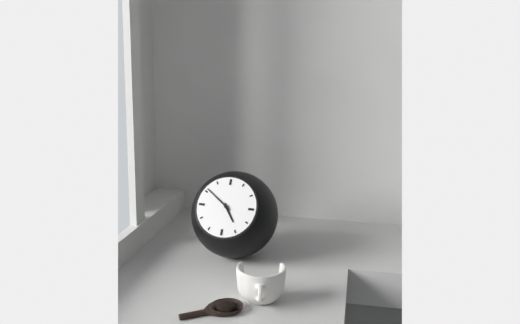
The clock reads 4.51
